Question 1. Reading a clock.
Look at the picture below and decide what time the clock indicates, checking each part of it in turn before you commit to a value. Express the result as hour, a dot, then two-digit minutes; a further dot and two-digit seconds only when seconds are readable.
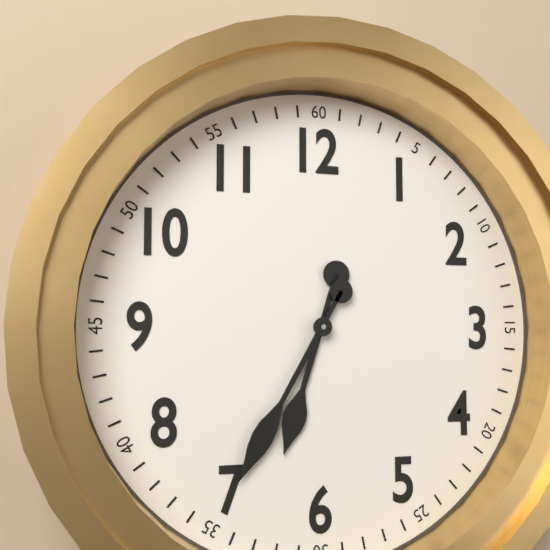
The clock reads 6.35
